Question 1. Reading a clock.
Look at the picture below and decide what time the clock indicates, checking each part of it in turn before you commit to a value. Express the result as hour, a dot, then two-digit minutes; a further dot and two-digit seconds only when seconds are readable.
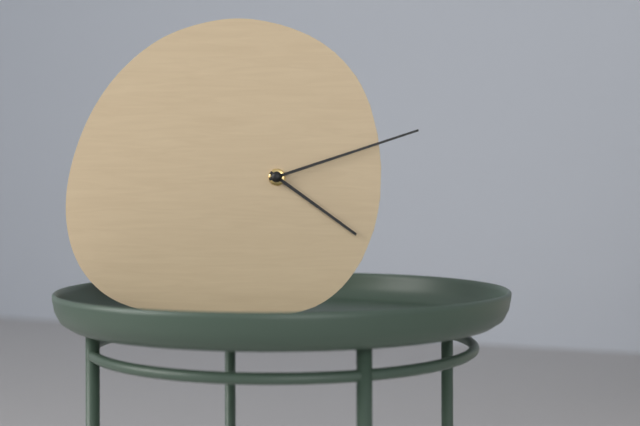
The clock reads 4.12
